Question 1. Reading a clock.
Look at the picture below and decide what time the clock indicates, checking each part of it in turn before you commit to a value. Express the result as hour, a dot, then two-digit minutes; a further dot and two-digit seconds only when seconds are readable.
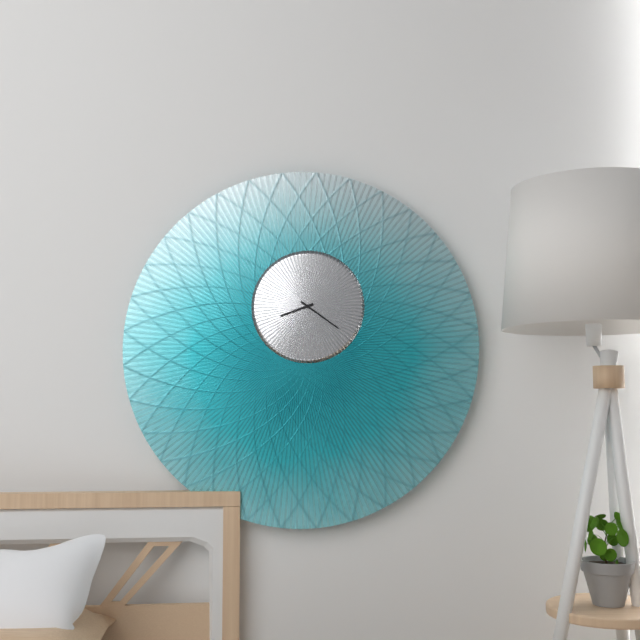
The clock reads 8.21
